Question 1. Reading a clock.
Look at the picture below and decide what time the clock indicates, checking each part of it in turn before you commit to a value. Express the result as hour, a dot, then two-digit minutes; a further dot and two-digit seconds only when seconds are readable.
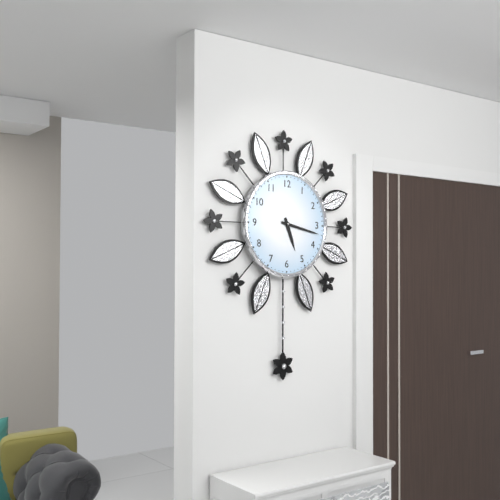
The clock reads 5.17
